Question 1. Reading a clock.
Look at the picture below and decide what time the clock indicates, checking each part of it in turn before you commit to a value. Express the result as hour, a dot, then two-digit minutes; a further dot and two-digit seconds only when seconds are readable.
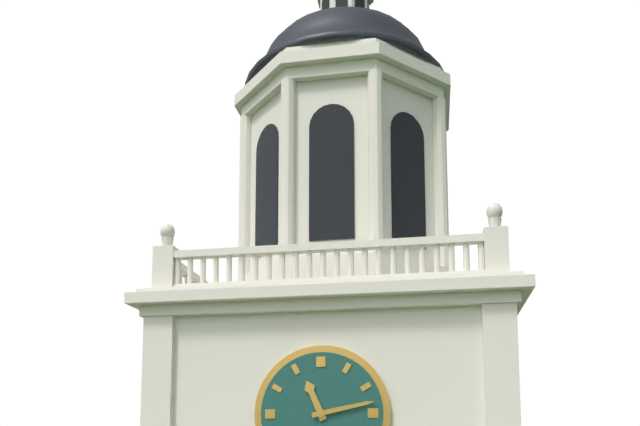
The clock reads 11.13
